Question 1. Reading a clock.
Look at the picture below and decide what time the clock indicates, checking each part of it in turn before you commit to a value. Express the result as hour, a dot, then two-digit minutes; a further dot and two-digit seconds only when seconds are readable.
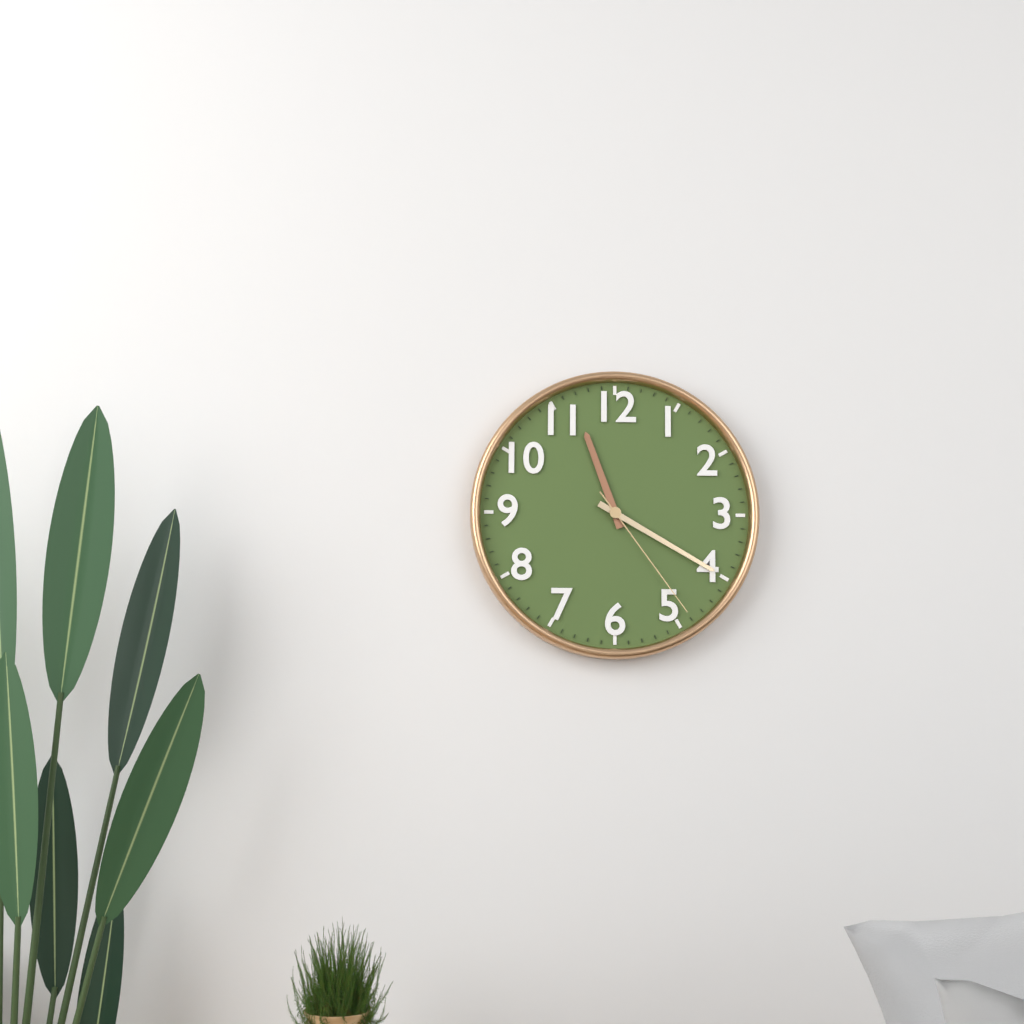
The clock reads 11.20.24
